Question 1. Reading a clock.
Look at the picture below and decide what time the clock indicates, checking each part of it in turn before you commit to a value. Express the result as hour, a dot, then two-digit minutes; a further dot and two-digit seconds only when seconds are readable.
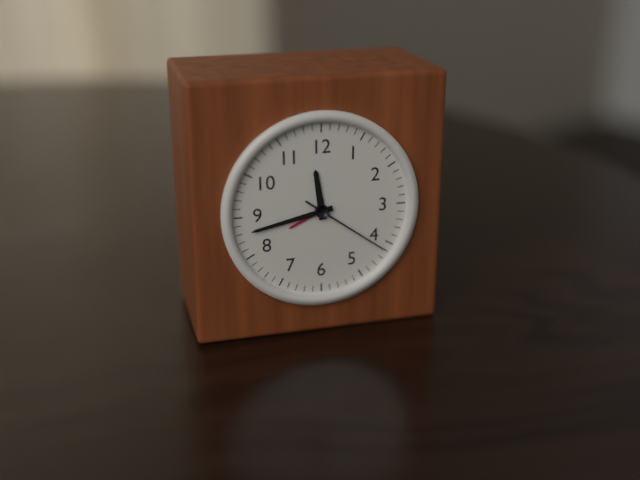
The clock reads 11.43.21
